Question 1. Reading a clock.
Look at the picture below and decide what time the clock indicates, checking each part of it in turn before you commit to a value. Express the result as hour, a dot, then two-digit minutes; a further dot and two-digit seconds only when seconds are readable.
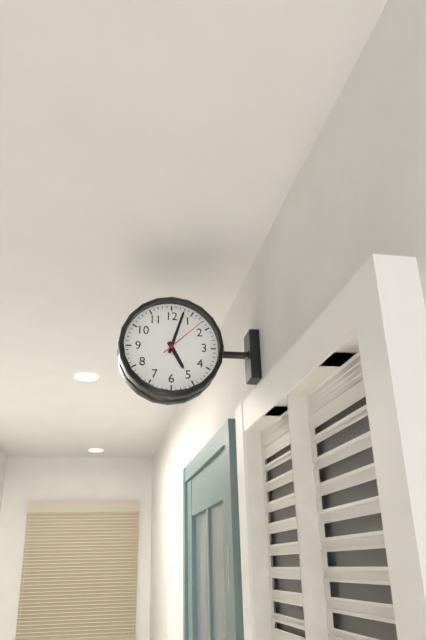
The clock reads 5.03
